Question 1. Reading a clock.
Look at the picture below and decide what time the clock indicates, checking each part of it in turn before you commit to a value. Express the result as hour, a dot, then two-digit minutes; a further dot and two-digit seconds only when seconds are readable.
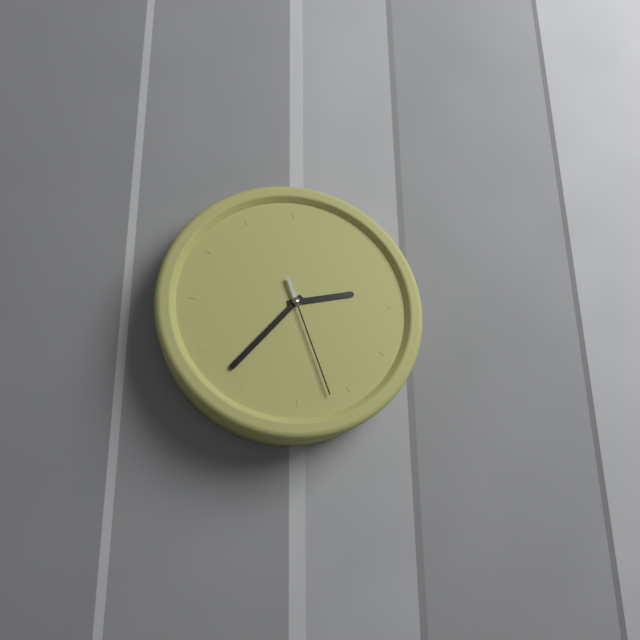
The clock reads 2.37.27
